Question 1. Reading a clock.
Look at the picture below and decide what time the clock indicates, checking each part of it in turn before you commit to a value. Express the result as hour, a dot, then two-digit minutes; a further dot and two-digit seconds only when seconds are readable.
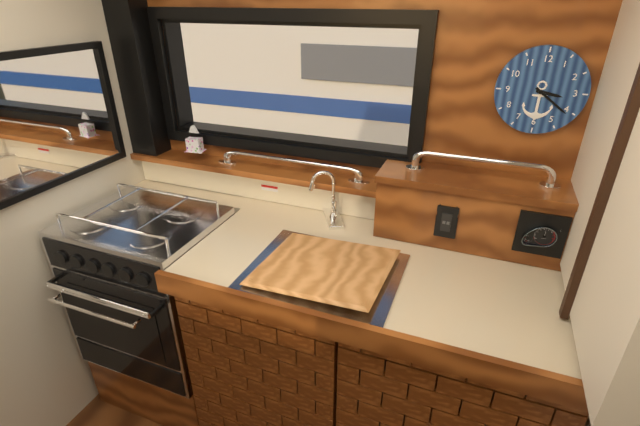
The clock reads 3.21
